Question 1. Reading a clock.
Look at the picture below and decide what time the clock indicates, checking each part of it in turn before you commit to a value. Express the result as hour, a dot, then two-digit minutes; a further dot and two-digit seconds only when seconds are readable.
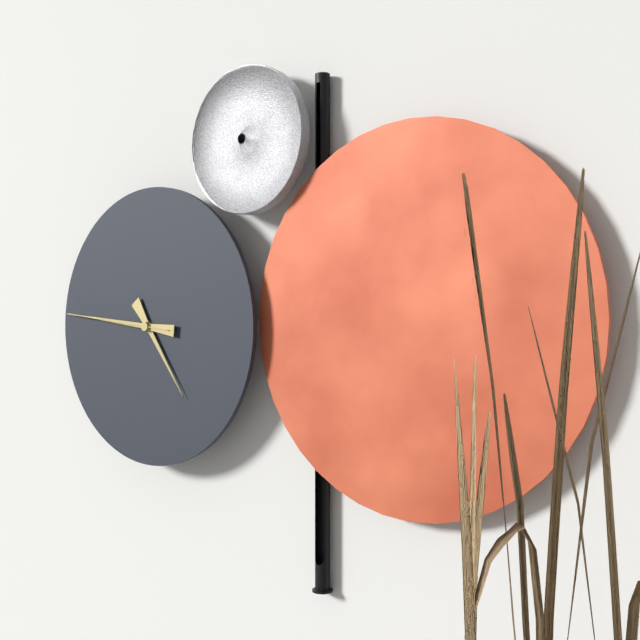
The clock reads 4.46.46
